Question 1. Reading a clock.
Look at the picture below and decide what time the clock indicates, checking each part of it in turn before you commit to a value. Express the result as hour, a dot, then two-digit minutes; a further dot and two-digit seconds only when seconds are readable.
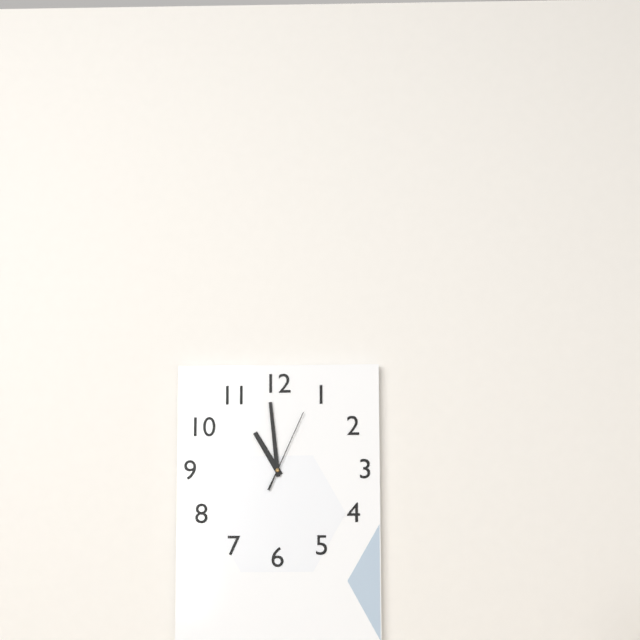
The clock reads 10.59.04
